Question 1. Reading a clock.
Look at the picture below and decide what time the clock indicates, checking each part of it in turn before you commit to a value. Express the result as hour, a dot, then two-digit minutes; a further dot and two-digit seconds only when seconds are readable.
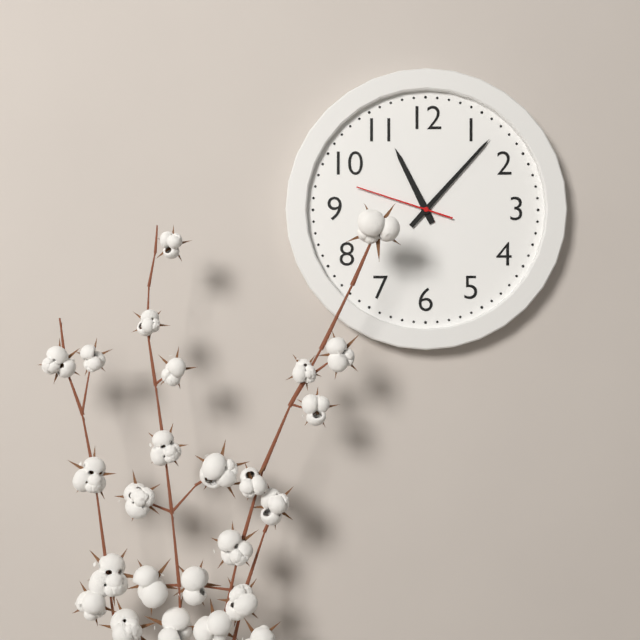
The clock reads 11.07.48
